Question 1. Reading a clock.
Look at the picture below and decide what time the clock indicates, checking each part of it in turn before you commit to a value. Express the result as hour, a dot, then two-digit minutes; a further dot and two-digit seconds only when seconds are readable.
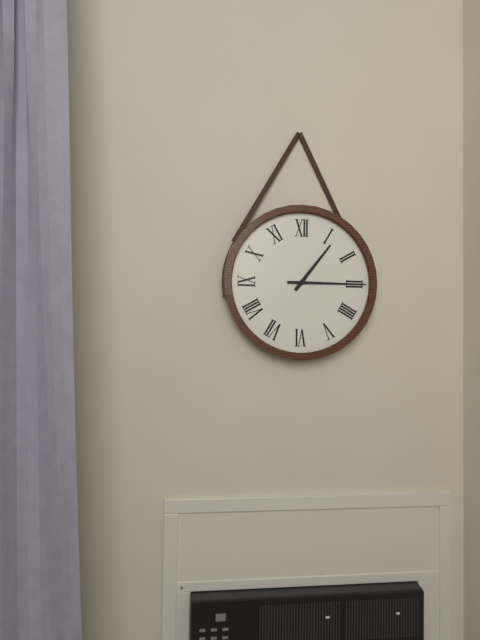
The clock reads 1.15
